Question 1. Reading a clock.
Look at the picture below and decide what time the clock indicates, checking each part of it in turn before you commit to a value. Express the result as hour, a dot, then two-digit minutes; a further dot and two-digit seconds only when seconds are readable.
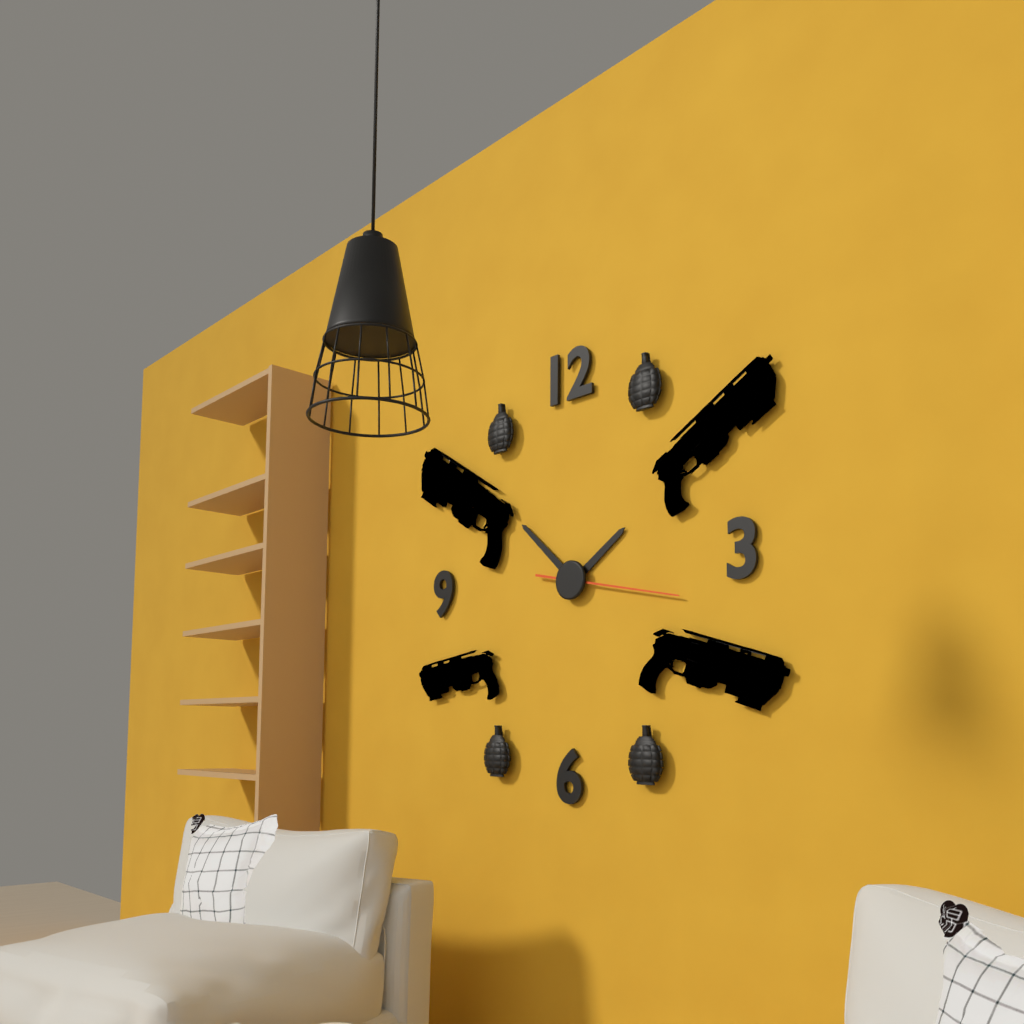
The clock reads 1.52.17
